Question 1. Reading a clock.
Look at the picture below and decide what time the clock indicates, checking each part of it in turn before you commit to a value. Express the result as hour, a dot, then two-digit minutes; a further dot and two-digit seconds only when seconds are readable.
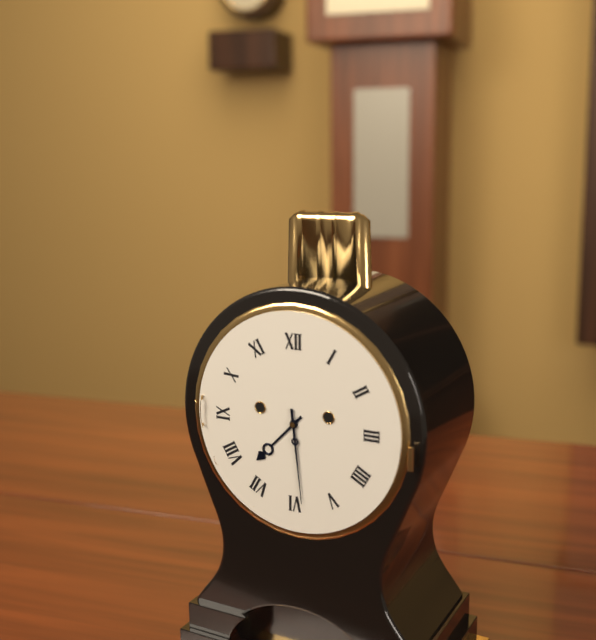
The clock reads 7.29
